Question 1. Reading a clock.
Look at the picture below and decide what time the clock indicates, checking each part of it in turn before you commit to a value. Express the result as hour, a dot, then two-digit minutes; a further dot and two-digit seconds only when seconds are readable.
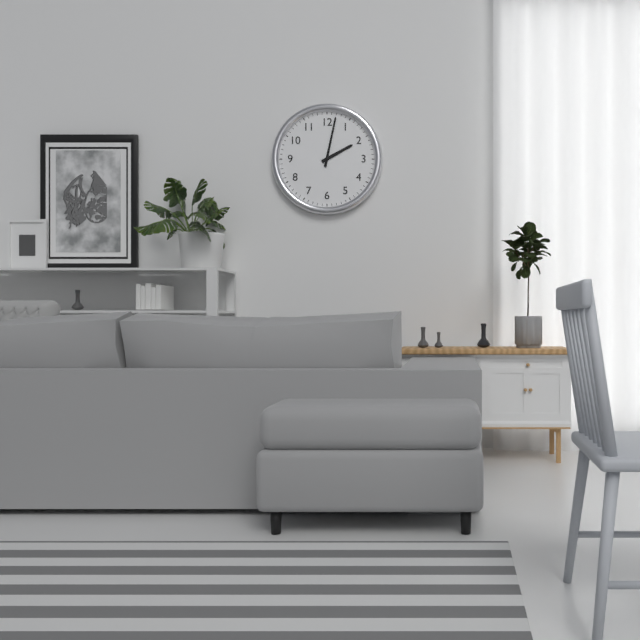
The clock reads 2.02
